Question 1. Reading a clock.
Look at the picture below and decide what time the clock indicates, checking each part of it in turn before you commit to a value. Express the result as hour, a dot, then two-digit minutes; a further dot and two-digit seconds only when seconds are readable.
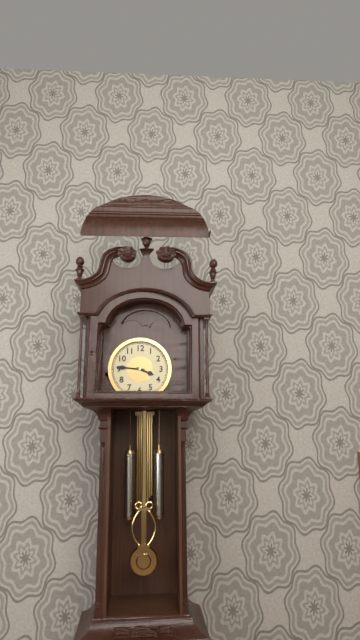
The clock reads 3.46
